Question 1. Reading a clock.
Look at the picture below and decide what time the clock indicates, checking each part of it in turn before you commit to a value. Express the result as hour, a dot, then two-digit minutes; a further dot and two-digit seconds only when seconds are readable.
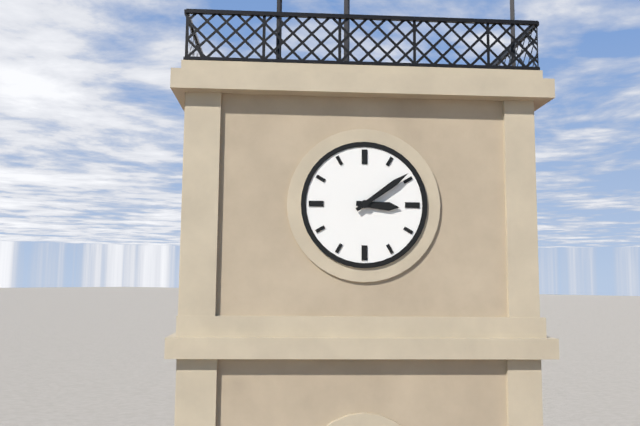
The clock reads 3.09
